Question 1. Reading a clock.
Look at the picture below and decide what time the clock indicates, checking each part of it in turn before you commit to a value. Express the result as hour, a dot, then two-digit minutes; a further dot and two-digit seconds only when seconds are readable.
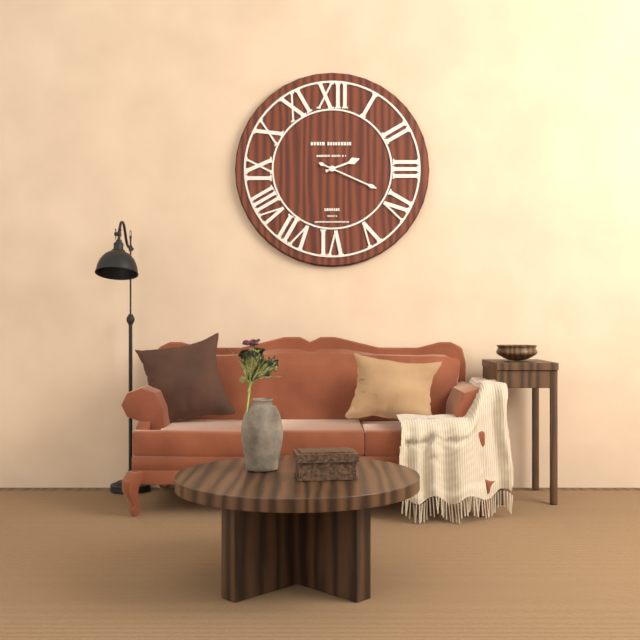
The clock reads 2.19
